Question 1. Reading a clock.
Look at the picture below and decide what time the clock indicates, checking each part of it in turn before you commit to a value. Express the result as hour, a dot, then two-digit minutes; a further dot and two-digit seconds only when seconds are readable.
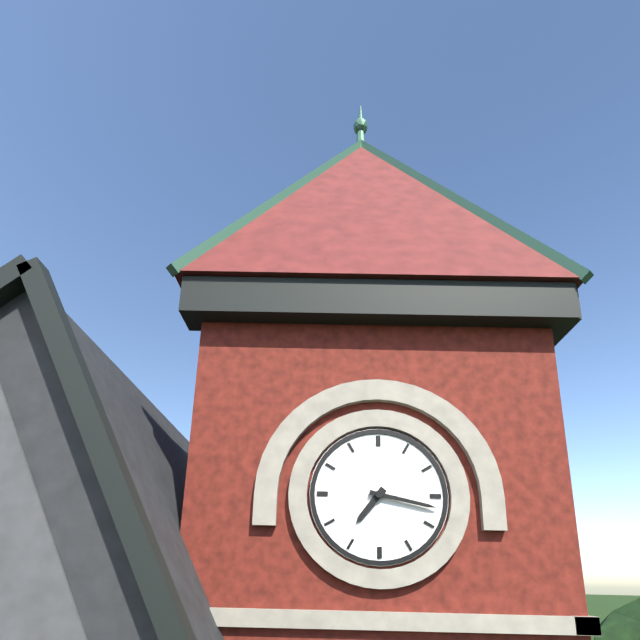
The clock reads 7.17
